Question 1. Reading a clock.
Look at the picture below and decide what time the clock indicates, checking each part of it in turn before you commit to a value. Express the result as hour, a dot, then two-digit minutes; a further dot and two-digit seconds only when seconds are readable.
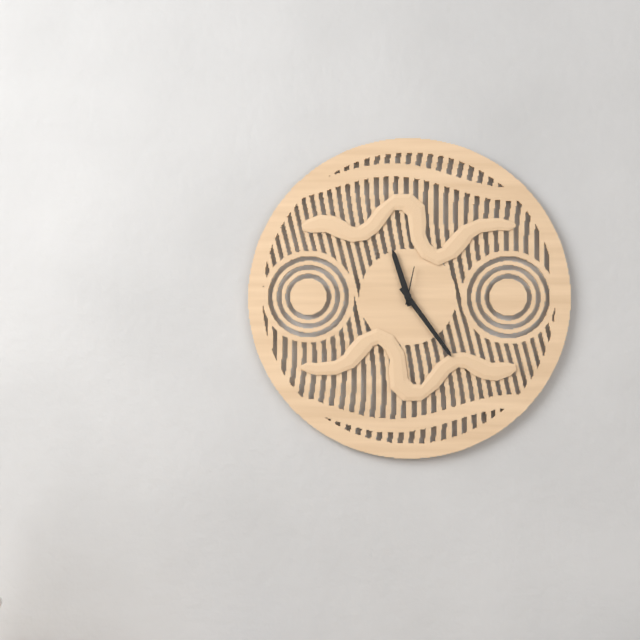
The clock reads 11.24
